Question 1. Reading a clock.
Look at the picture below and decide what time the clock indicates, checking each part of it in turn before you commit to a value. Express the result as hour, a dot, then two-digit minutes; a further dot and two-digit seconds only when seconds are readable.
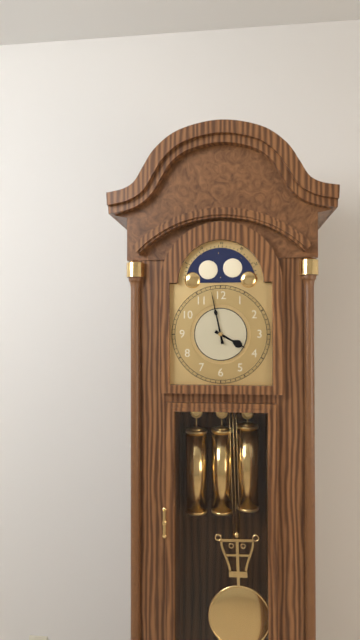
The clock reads 3.58
